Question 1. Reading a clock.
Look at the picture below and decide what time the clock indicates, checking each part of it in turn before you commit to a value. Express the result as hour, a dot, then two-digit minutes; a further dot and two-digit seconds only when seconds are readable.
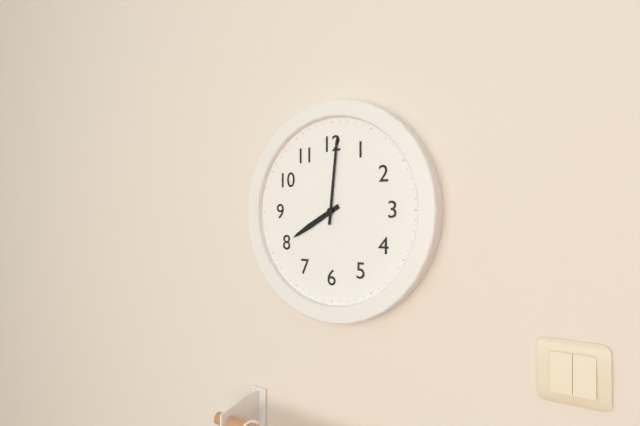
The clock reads 8.01
